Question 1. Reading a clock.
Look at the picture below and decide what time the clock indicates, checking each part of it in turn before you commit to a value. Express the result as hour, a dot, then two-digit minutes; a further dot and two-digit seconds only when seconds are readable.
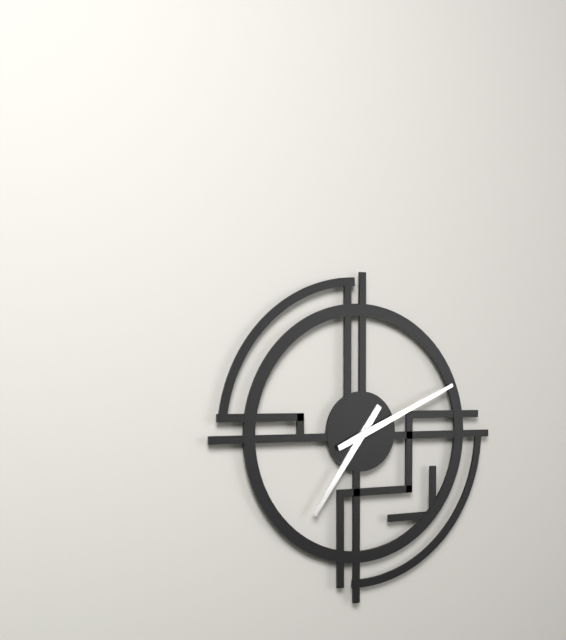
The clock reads 7.11
